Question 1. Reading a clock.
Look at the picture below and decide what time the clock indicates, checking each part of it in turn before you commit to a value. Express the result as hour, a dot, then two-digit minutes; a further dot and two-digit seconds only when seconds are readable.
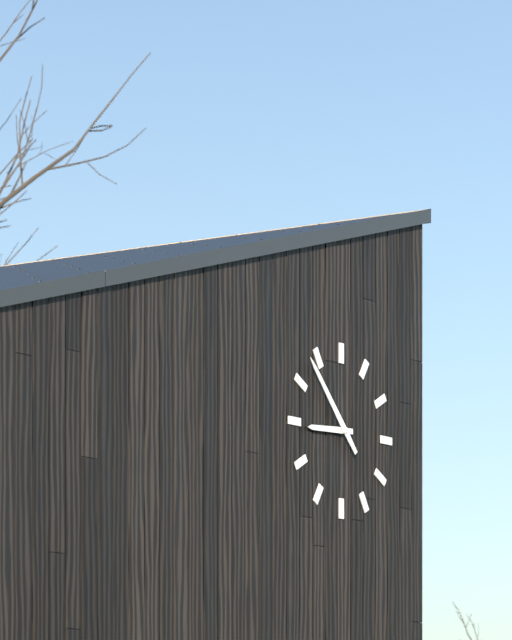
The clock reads 8.53
